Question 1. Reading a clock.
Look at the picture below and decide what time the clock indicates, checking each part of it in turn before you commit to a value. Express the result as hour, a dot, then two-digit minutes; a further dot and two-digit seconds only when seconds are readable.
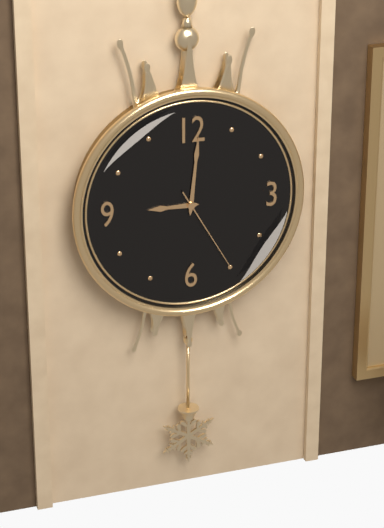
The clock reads 9.01.25
